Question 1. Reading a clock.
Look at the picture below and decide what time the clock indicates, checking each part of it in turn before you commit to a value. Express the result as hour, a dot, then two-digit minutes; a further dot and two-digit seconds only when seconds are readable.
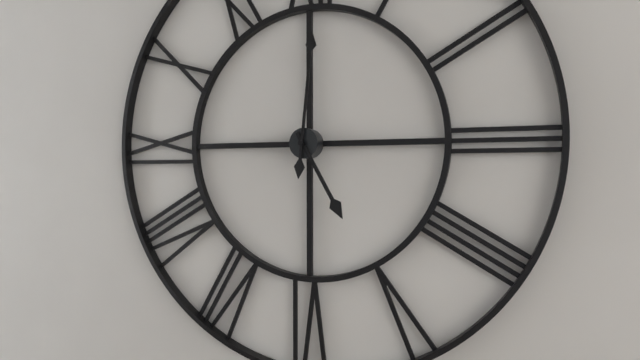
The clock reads 5.01
